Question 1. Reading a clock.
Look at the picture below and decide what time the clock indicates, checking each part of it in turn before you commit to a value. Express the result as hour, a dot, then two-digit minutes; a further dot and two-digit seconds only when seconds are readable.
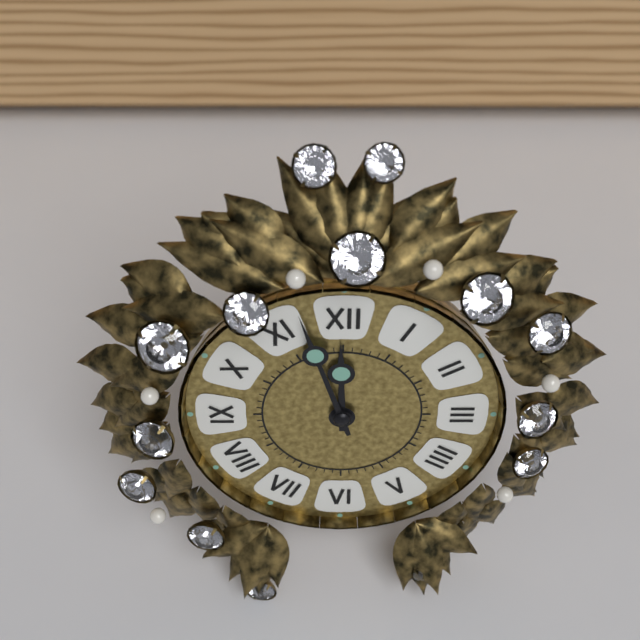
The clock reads 11.57
